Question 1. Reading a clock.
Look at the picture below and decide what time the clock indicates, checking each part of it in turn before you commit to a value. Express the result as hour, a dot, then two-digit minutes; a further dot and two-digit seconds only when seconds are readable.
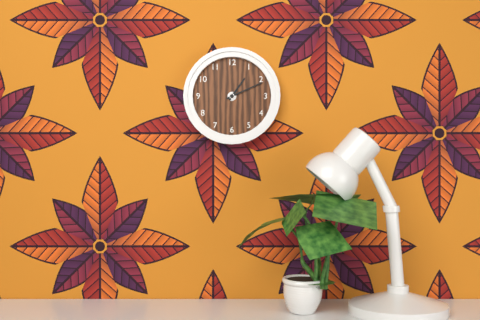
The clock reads 1.11
